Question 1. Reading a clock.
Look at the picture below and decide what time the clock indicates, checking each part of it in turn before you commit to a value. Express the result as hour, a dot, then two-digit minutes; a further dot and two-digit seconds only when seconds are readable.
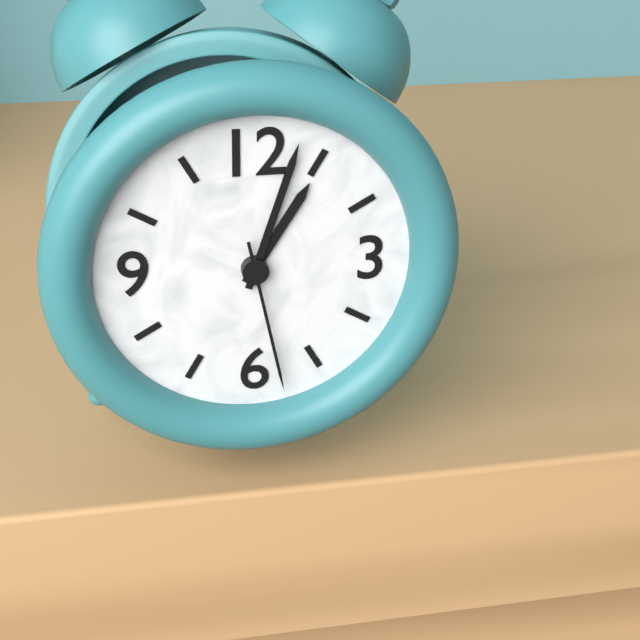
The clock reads 1.03.28
